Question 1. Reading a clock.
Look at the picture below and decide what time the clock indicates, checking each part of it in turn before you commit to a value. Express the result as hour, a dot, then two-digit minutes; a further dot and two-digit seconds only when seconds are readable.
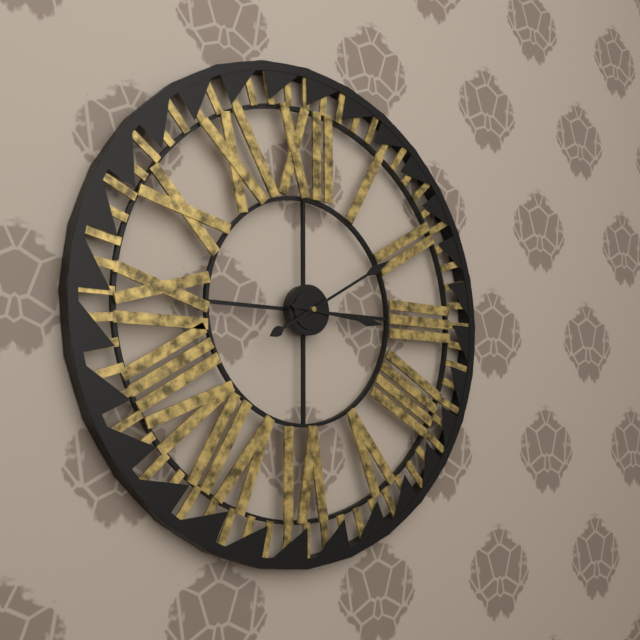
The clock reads 3.10
